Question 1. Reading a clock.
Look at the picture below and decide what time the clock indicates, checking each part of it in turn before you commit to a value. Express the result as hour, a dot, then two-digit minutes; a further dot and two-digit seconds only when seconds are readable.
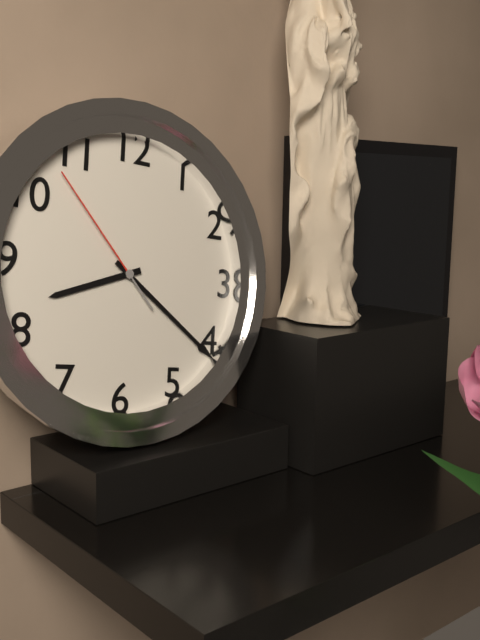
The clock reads 8.21.53
